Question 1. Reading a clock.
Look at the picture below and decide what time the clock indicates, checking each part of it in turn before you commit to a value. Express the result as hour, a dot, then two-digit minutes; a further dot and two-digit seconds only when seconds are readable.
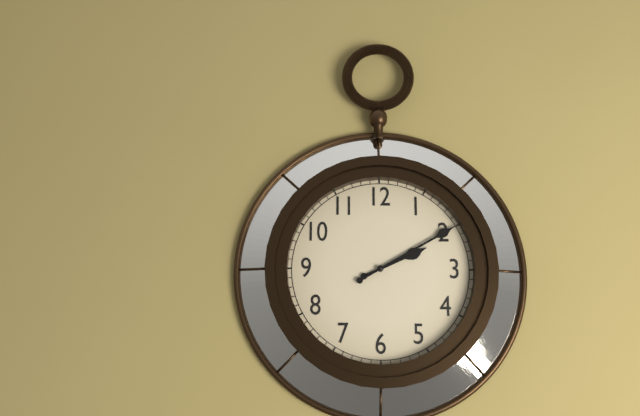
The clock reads 2.10
